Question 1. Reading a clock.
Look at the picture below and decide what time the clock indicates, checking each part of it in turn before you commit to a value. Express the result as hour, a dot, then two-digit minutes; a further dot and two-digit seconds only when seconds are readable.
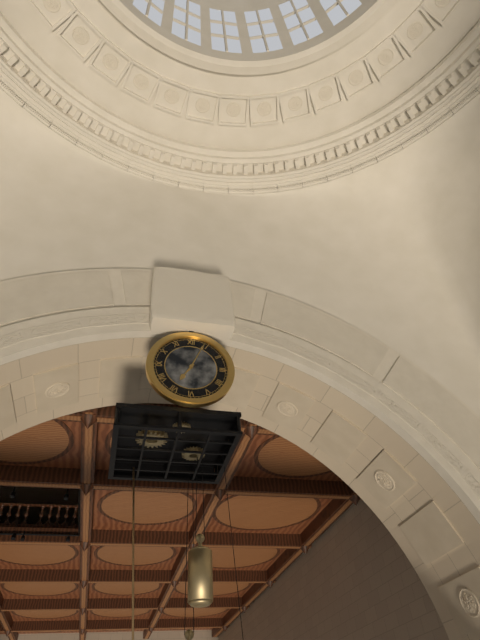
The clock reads 7.04
